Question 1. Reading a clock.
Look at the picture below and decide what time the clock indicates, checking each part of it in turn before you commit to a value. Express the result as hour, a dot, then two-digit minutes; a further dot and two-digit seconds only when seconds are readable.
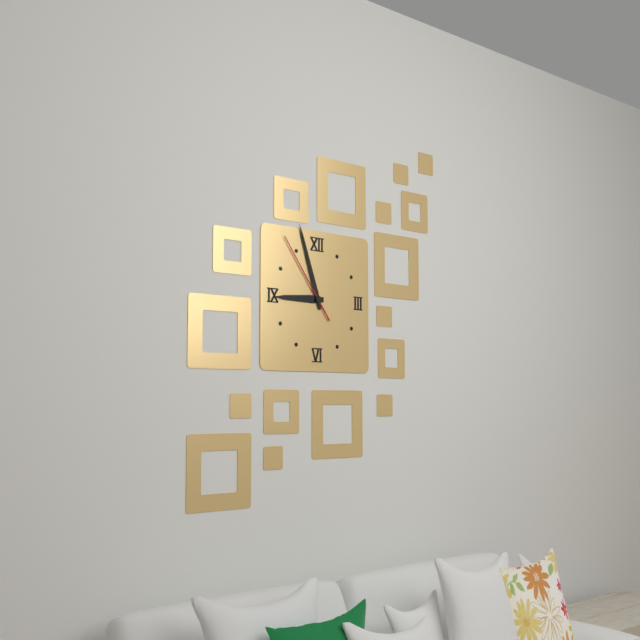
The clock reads 8.57.54
